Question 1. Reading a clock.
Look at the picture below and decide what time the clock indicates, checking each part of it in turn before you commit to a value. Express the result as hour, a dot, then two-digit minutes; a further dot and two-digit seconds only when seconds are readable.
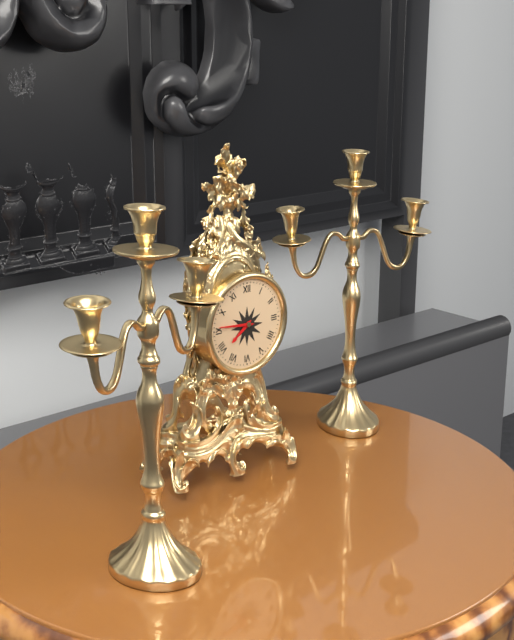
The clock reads 7.46
